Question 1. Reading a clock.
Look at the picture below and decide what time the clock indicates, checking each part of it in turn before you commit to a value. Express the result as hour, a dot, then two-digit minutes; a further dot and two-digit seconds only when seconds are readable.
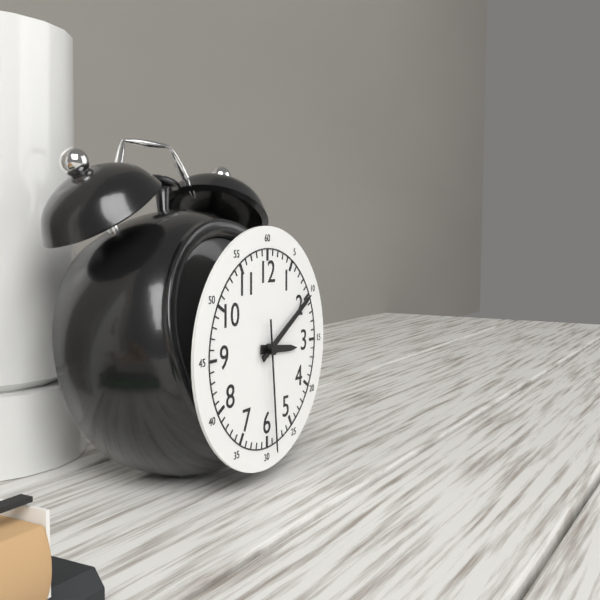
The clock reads 3.10.29
